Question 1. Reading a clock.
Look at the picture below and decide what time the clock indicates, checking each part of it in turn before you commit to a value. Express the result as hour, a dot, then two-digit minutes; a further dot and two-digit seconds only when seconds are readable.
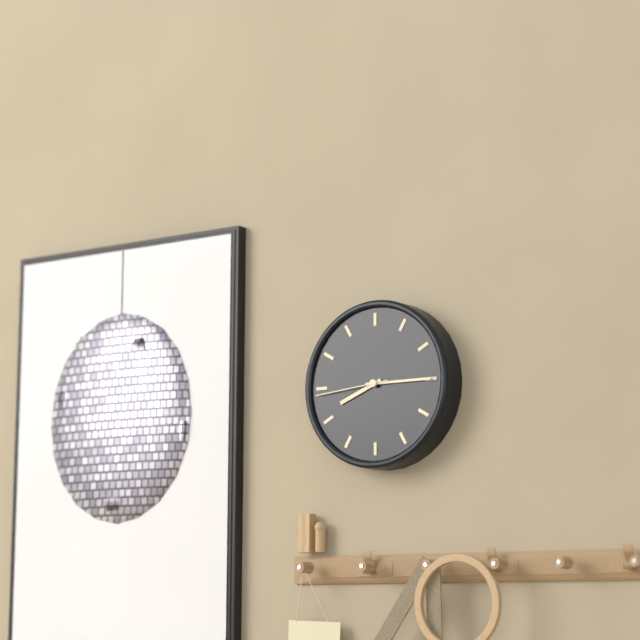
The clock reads 8.15.44
